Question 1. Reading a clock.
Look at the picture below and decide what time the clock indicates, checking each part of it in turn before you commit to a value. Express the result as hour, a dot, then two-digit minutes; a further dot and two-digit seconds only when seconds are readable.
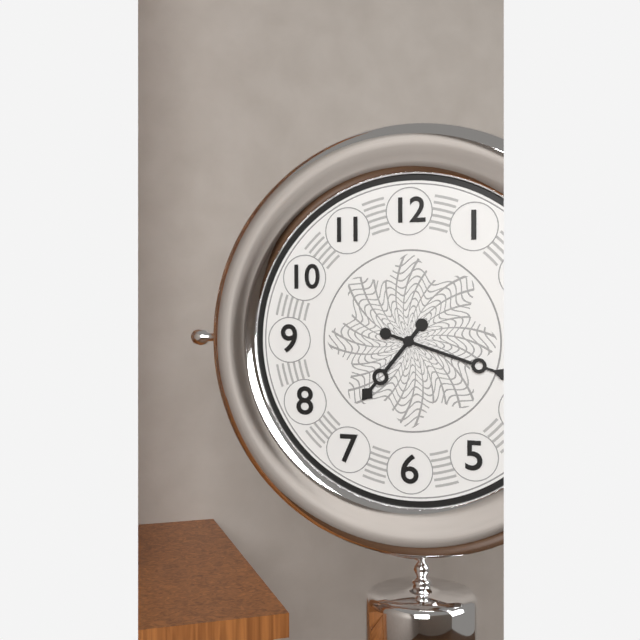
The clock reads 7.18
